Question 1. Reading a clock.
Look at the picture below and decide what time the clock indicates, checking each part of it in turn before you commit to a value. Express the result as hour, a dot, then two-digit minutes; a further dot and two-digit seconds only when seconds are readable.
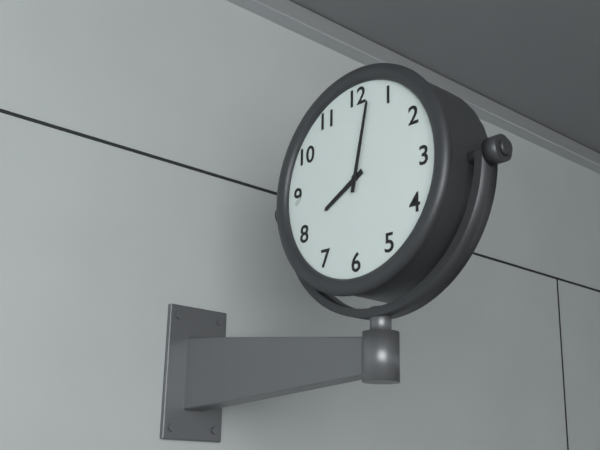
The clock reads 8.02
